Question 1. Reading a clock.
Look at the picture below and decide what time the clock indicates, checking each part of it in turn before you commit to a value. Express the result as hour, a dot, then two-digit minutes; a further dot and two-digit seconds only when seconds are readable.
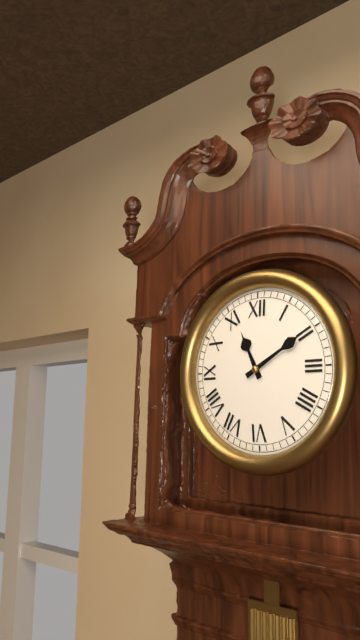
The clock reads 11.10
